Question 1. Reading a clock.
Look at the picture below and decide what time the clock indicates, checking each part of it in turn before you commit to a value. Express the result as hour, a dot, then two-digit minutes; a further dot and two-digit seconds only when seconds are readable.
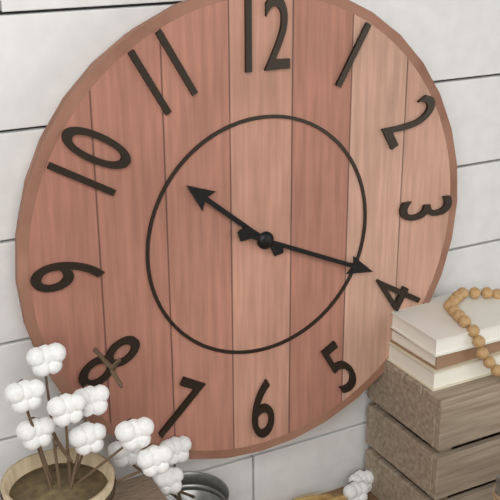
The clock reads 10.19
